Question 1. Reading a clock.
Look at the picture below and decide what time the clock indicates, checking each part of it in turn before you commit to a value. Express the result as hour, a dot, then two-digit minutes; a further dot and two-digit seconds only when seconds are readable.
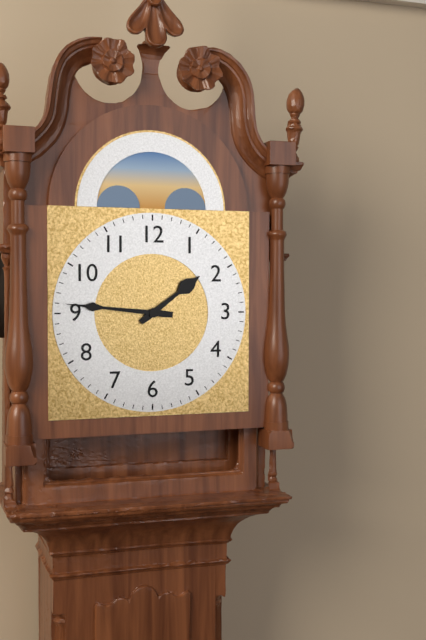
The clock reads 1.46
